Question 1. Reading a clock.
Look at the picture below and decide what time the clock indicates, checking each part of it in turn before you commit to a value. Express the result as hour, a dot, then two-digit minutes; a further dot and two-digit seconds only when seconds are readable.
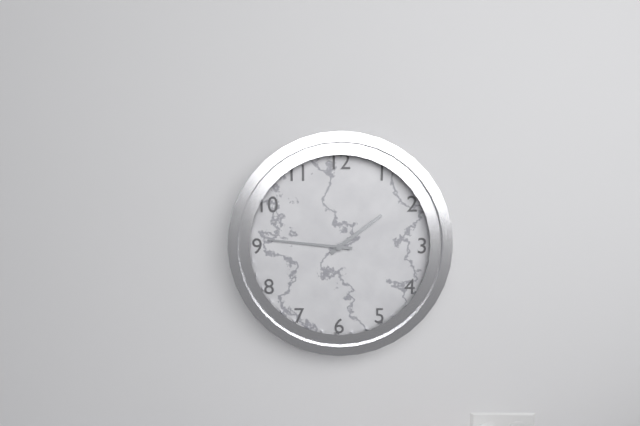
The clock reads 1.46
